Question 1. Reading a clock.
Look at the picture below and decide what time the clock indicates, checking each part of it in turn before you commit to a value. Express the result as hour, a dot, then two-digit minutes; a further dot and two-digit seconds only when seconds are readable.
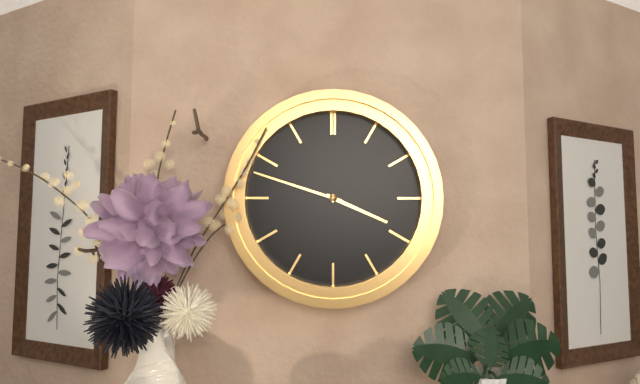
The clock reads 3.48
